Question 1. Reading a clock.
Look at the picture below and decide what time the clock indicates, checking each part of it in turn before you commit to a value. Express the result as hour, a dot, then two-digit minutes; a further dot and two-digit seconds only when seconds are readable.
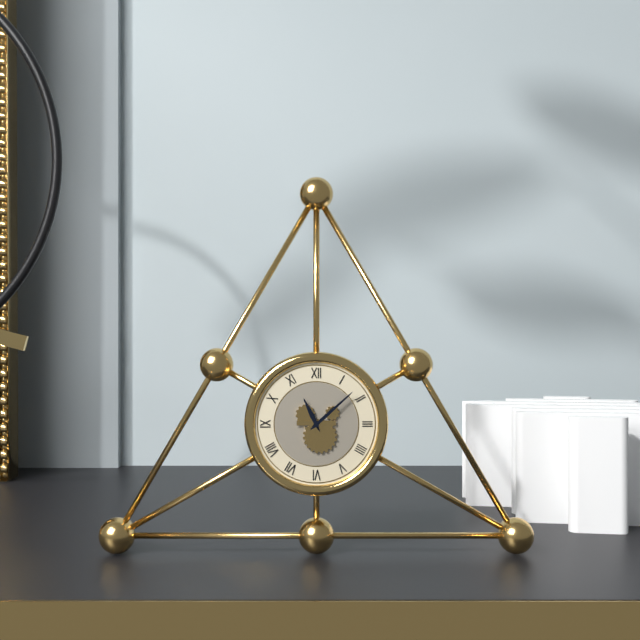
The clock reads 11.08
